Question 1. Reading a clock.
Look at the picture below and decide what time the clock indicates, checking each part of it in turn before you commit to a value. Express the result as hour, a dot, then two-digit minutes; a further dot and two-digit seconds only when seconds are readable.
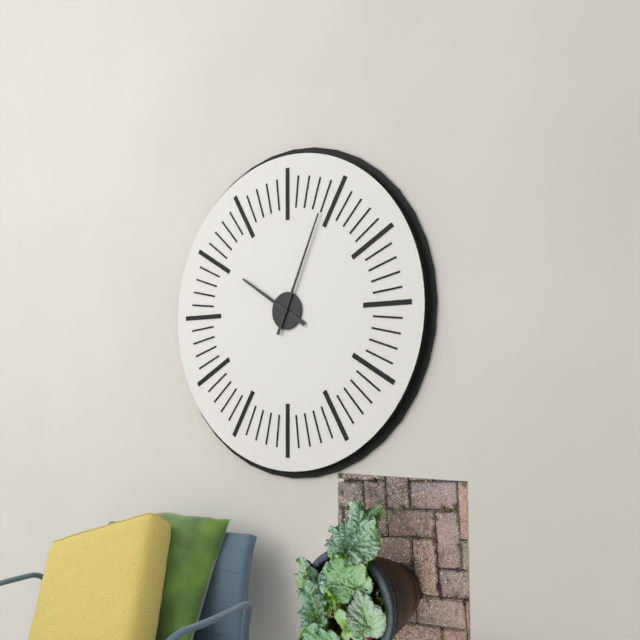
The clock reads 10.04
